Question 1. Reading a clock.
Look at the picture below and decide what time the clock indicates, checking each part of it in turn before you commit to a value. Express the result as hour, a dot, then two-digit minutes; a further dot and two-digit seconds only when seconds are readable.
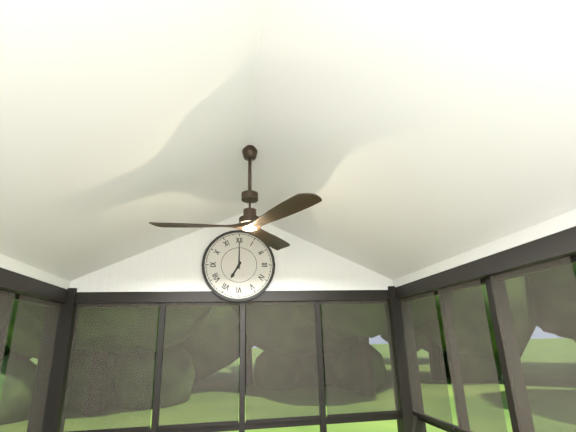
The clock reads 7.00
